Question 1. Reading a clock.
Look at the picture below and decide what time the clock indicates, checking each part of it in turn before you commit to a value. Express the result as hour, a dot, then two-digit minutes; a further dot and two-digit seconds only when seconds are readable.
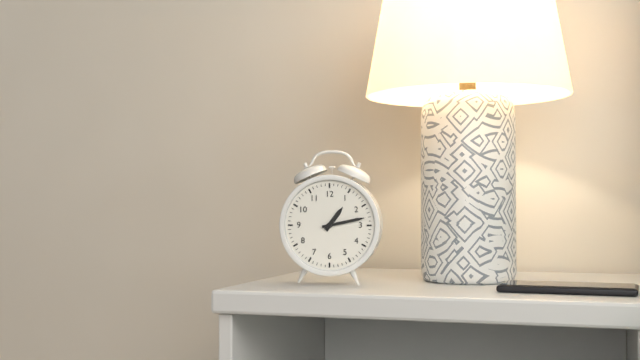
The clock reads 1.13
